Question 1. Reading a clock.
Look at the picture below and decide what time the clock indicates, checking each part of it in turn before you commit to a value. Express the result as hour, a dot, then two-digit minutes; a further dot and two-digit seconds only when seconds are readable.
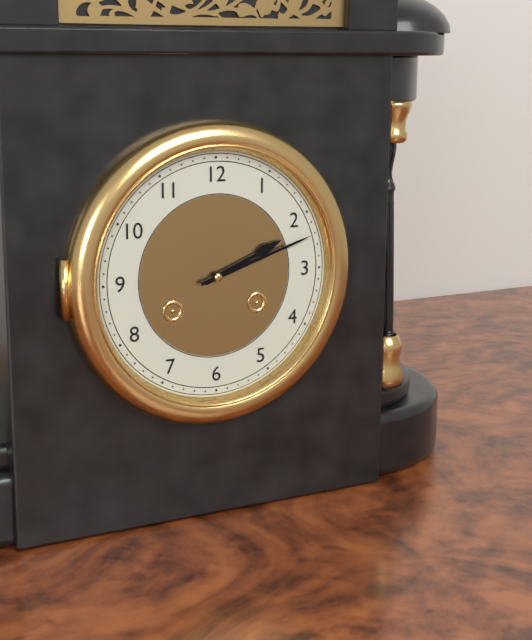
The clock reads 2.12
